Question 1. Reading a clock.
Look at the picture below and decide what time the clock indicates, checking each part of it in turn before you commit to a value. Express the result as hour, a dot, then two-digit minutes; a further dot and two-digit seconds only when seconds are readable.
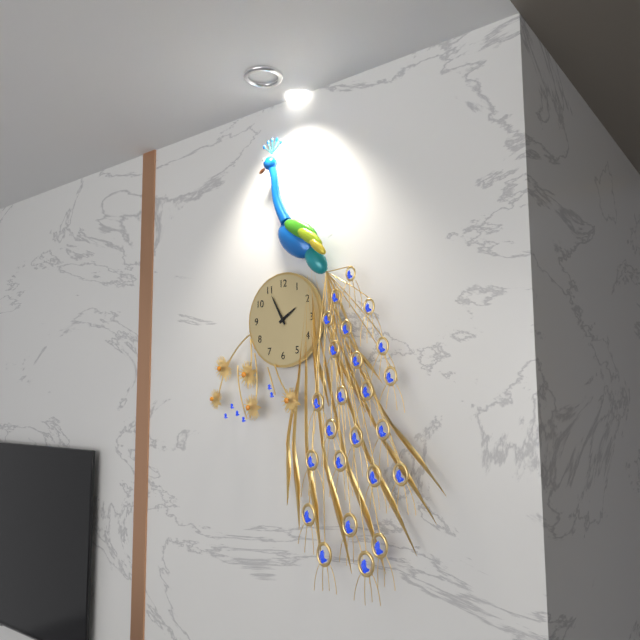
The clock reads 1.55
